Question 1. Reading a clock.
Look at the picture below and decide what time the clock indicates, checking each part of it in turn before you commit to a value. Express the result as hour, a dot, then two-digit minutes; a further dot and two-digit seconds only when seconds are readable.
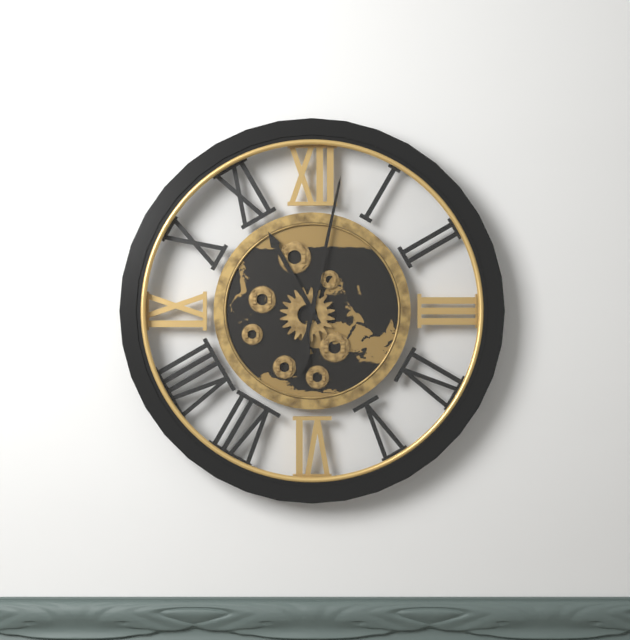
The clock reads 11.02
